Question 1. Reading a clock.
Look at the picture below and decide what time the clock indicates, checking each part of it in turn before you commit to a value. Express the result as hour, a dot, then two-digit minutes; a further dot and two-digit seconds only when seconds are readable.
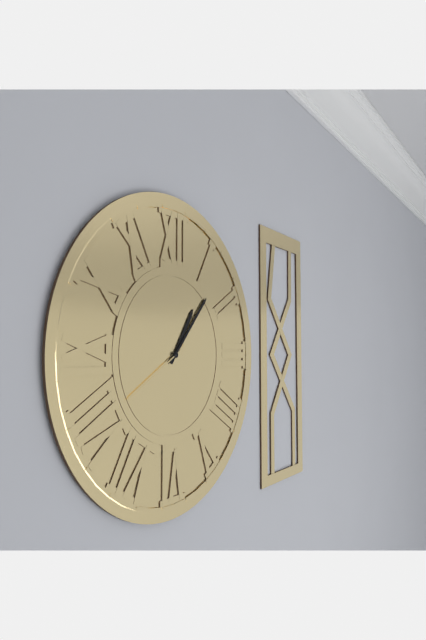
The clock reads 1.07.40
